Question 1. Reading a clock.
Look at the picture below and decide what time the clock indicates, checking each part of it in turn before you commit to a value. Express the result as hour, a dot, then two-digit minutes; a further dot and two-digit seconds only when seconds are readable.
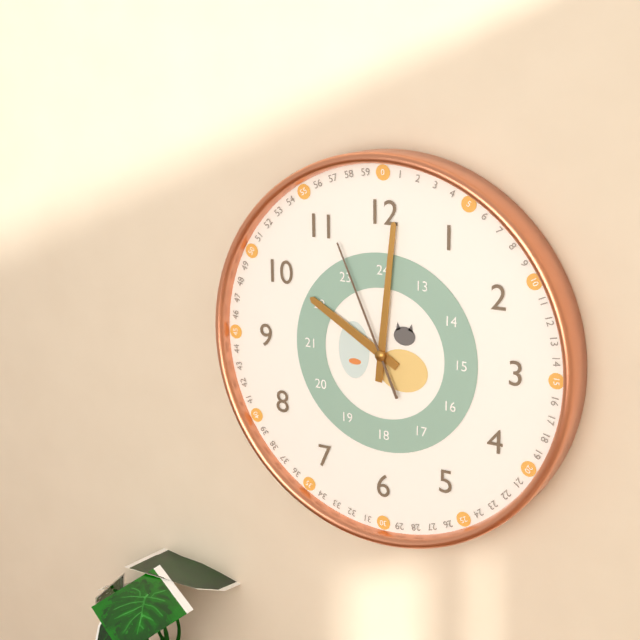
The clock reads 10.01.56
